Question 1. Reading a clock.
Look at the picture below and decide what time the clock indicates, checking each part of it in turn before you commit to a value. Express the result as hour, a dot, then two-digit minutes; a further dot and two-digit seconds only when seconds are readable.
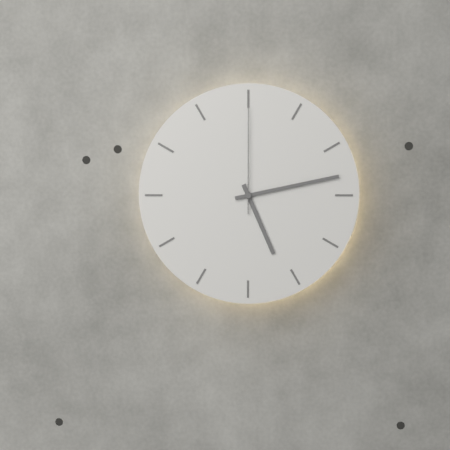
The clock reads 5.13.00
